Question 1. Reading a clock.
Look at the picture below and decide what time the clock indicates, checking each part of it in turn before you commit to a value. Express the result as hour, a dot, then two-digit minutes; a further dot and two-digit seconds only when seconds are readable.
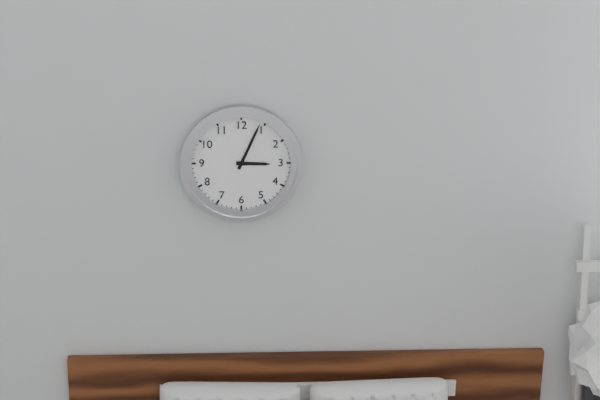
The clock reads 3.04
